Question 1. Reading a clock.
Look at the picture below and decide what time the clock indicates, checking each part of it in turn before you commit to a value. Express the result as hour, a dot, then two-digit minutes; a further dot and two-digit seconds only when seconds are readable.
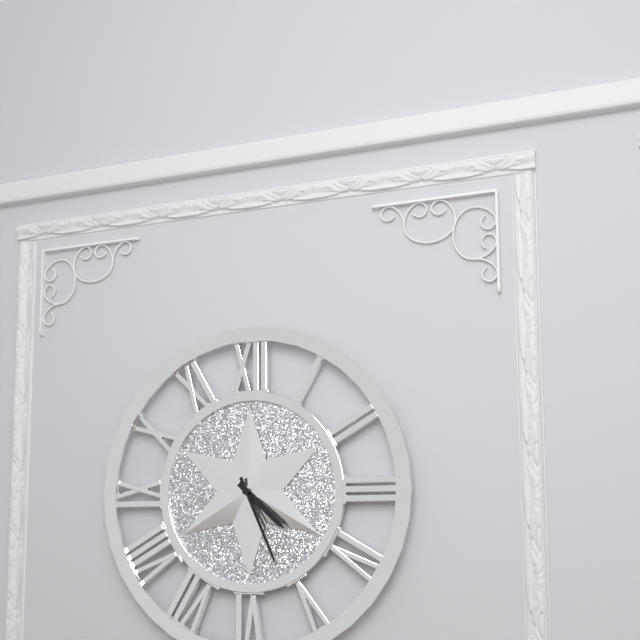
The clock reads 4.26
